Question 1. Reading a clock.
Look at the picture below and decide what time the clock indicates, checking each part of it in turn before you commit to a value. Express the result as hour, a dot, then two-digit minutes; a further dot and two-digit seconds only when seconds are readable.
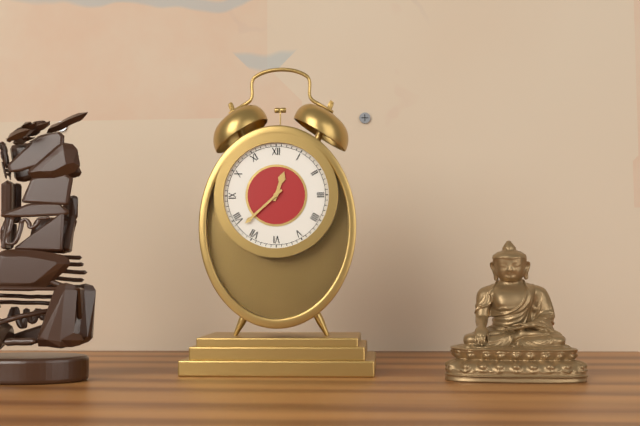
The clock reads 12.38
